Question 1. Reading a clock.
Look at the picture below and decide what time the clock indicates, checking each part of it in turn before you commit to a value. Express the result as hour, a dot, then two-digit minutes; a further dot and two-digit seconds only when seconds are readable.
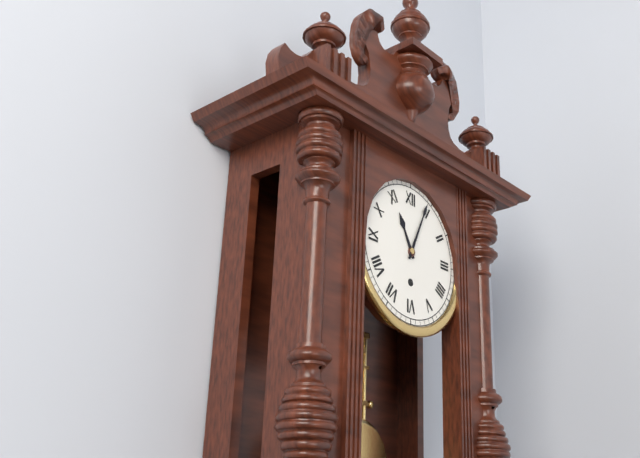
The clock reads 11.04
